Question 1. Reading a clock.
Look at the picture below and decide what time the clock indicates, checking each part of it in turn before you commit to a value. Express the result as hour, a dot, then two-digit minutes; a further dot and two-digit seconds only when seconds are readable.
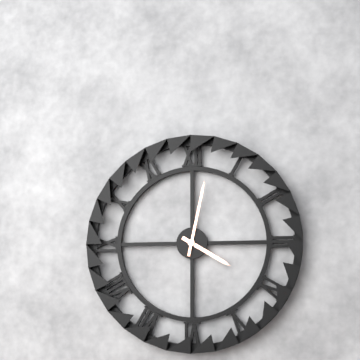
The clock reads 4.02
